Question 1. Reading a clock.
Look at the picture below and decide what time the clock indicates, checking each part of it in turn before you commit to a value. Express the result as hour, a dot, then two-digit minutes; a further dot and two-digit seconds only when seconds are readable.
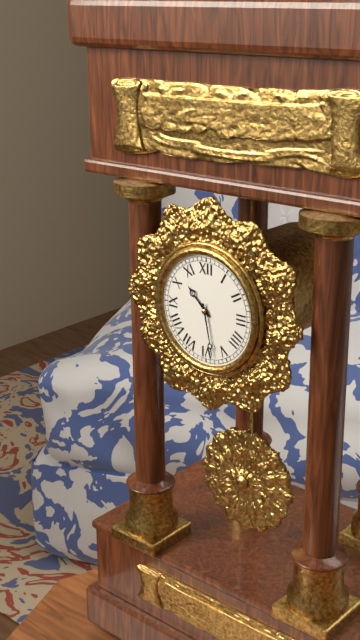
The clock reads 10.28
